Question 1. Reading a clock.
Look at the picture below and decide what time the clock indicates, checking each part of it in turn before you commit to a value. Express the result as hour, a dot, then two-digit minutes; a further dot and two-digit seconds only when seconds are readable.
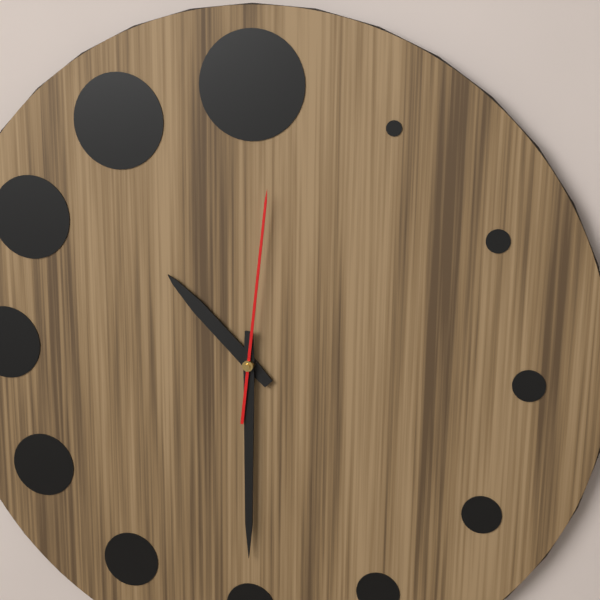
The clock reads 10.30.01
